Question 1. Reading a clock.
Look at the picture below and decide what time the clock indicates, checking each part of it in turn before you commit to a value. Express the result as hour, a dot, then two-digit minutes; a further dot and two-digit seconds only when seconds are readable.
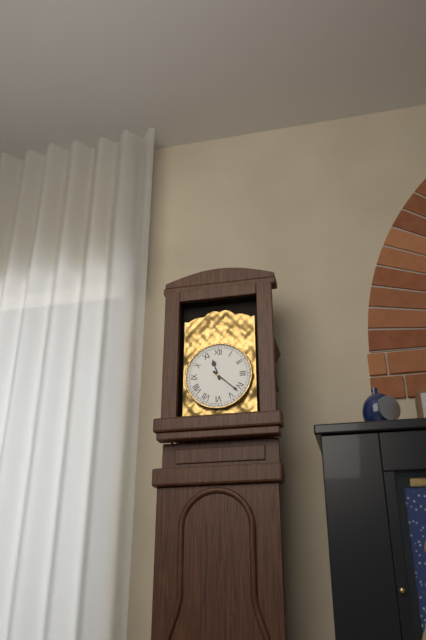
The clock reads 11.22
